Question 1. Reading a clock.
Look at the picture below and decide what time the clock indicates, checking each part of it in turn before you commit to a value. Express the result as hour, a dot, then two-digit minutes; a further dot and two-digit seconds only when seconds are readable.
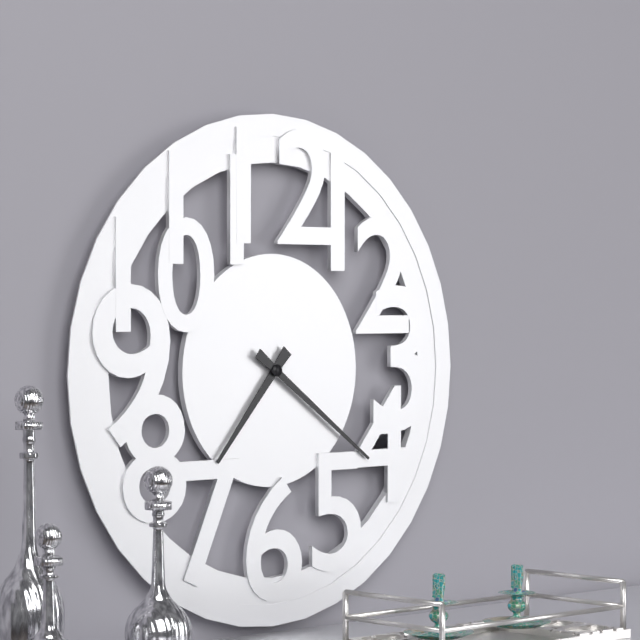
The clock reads 7.21
